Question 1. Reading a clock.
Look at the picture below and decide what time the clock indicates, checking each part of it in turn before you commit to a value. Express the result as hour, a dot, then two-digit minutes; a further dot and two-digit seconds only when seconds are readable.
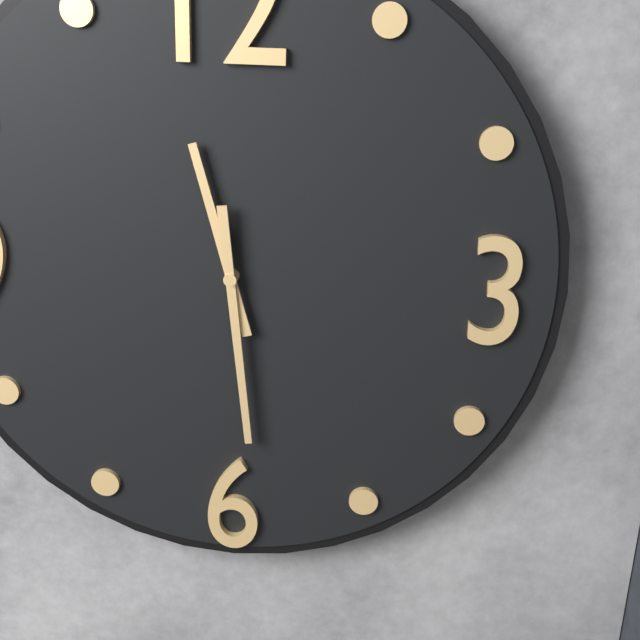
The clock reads 11.29
